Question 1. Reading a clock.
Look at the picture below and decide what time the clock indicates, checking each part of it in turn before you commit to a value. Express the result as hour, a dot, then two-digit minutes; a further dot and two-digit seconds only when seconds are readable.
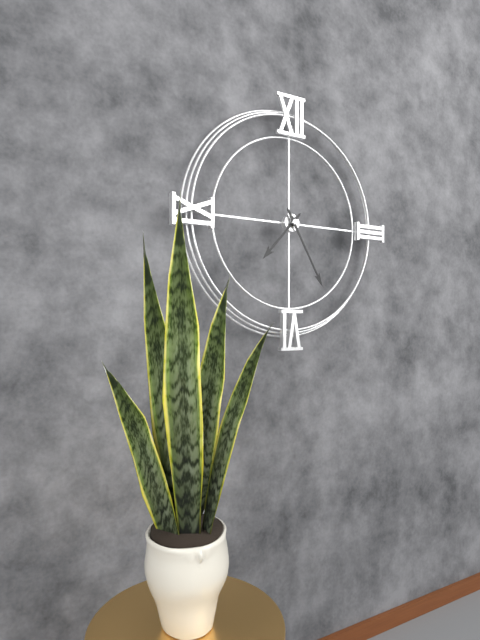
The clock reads 7.25
